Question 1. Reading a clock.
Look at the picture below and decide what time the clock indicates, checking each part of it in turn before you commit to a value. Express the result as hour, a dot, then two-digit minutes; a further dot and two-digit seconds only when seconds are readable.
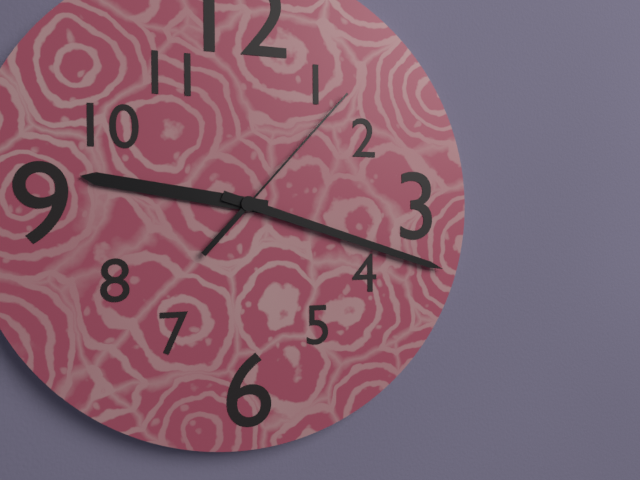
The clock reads 9.18.07
